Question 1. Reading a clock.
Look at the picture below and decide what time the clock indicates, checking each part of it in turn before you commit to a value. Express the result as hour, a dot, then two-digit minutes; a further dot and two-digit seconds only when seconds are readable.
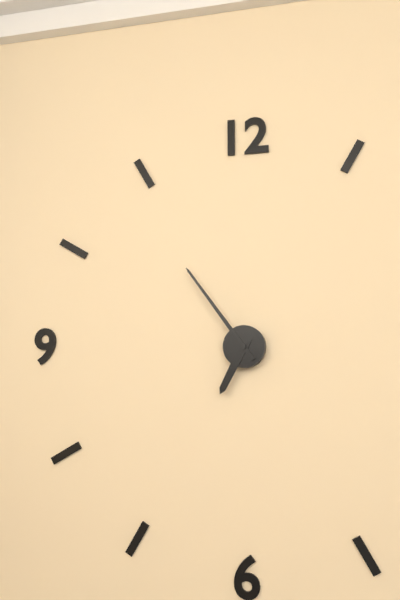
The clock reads 6.54
